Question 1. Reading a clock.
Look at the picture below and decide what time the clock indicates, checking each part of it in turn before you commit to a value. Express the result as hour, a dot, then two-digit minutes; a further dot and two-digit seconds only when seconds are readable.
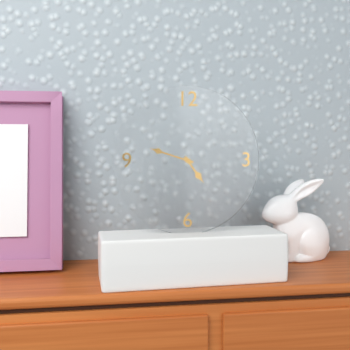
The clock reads 4.48
